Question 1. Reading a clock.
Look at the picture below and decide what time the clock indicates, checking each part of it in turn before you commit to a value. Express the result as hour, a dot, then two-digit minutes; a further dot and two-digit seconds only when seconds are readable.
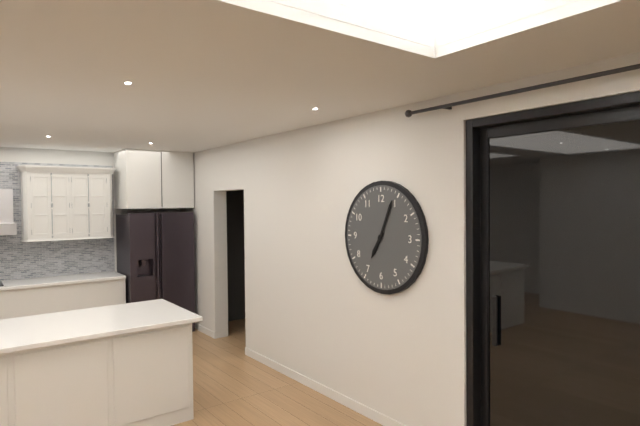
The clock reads 7.04
